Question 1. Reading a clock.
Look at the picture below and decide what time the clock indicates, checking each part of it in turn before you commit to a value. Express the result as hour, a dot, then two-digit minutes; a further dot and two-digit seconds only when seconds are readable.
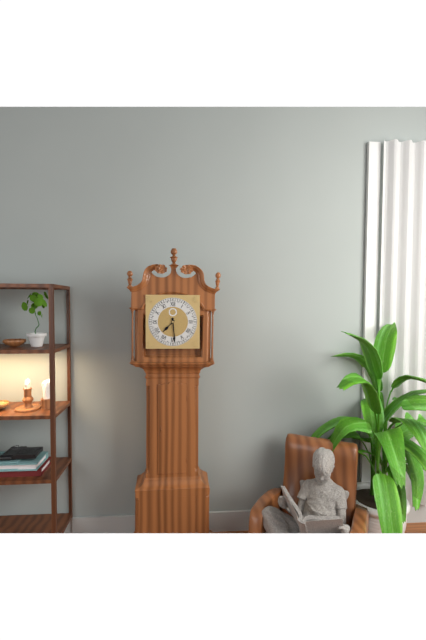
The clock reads 7.29
